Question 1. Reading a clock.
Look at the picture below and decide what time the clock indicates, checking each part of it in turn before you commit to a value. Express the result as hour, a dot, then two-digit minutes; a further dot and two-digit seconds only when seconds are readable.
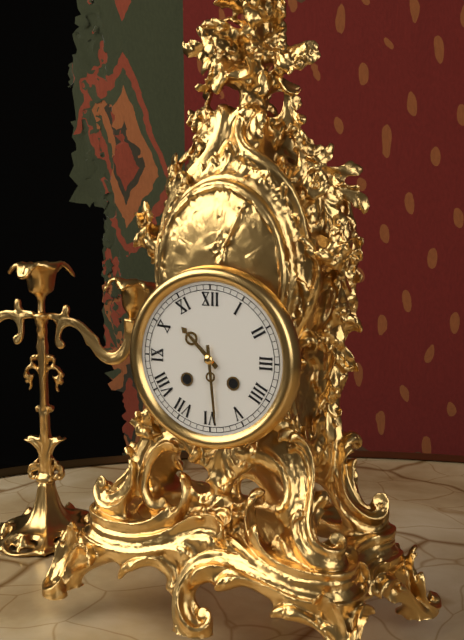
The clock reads 10.29
